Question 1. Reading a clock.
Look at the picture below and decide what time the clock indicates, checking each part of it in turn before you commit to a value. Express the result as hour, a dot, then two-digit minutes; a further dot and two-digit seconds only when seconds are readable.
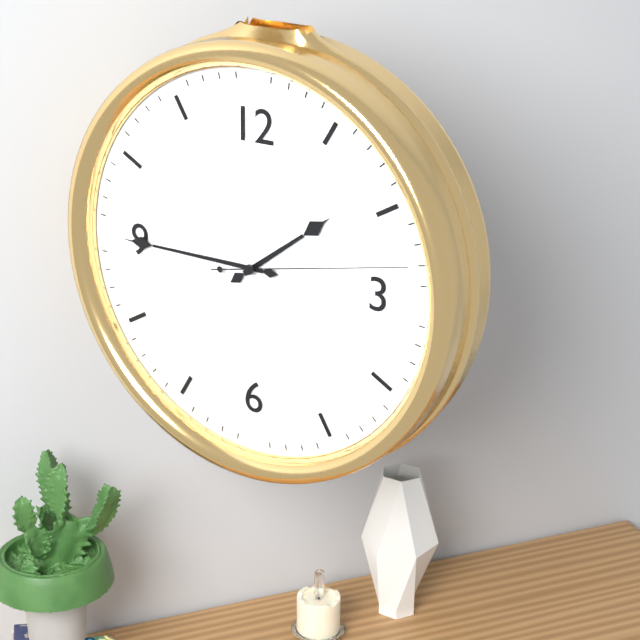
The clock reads 1.45.13
